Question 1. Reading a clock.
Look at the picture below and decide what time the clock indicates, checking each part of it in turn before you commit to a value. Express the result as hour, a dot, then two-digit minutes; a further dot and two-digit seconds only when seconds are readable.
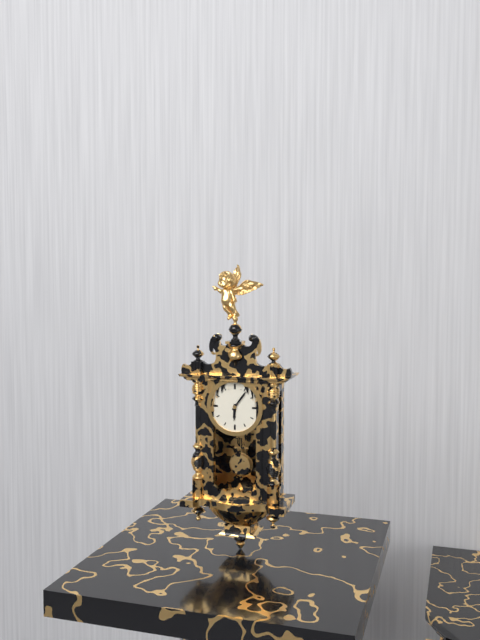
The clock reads 6.06
